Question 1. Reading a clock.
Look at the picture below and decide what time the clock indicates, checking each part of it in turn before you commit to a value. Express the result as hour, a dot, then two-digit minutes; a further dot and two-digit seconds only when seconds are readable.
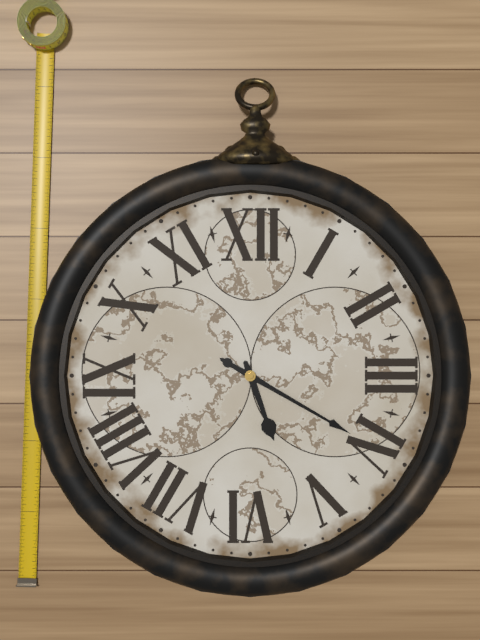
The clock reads 5.20
